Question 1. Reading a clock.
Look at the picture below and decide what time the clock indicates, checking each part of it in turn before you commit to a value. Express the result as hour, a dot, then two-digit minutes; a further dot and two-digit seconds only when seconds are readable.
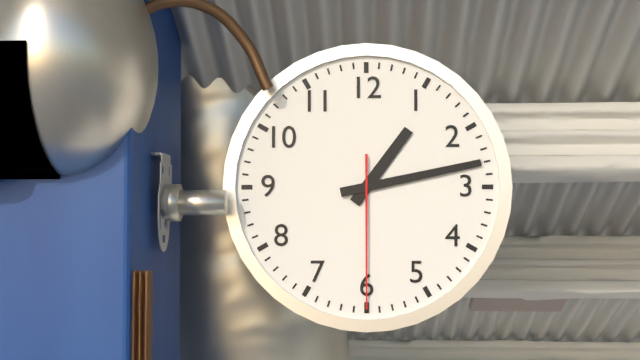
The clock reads 1.13.30
